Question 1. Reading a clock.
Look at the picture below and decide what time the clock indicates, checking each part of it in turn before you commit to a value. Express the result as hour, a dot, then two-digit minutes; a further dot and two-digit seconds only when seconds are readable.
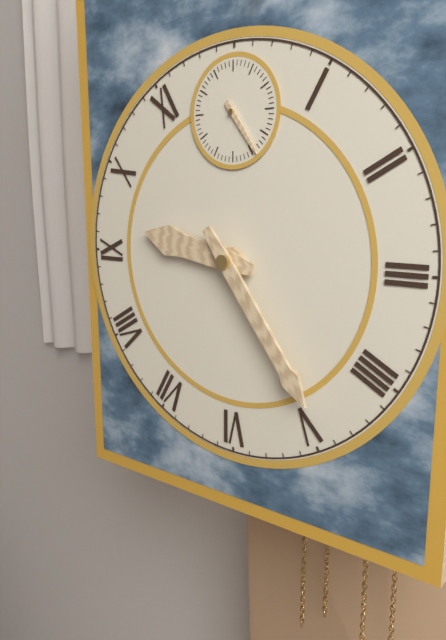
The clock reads 9.24.24
